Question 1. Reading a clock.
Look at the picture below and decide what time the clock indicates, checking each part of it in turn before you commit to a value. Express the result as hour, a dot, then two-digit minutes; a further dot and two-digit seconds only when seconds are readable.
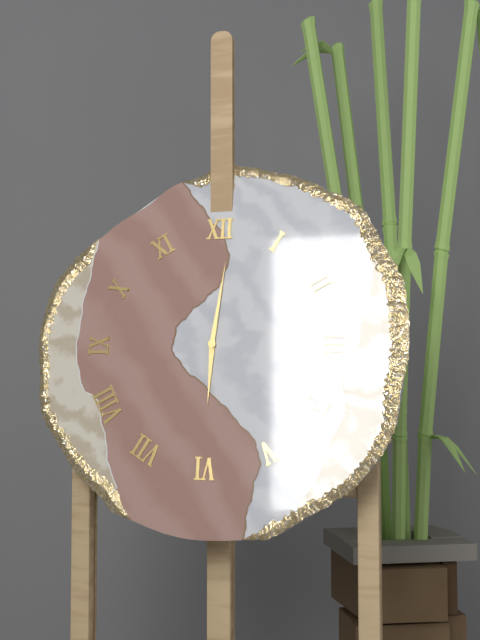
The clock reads 6.01
